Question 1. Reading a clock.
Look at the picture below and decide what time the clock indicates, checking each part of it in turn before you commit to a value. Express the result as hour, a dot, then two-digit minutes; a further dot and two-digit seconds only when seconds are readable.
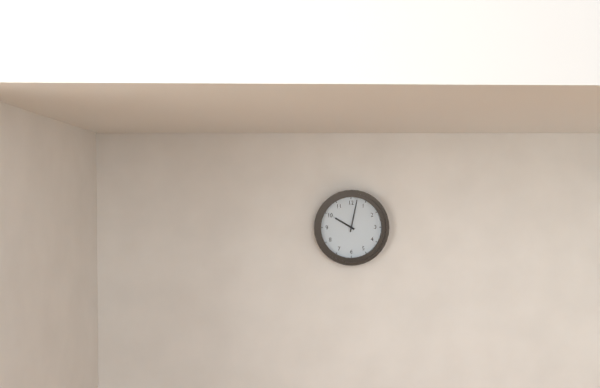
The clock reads 10.02
